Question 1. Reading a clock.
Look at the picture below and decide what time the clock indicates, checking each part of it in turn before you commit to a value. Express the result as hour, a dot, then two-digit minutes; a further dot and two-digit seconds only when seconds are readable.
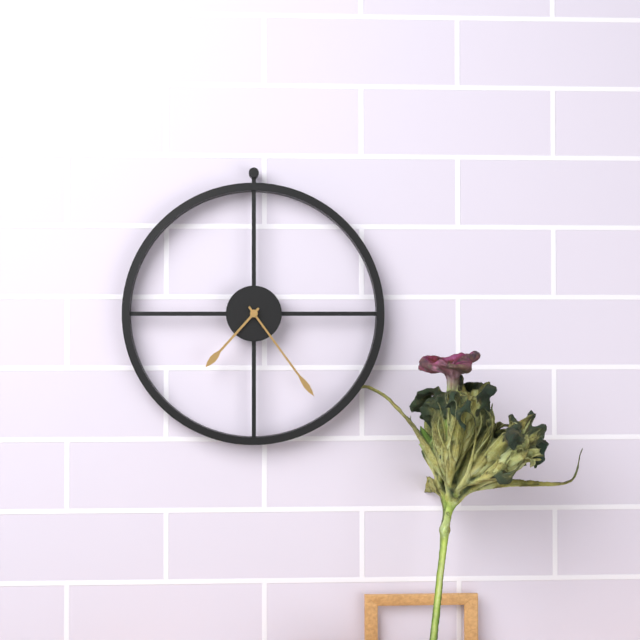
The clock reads 7.24
